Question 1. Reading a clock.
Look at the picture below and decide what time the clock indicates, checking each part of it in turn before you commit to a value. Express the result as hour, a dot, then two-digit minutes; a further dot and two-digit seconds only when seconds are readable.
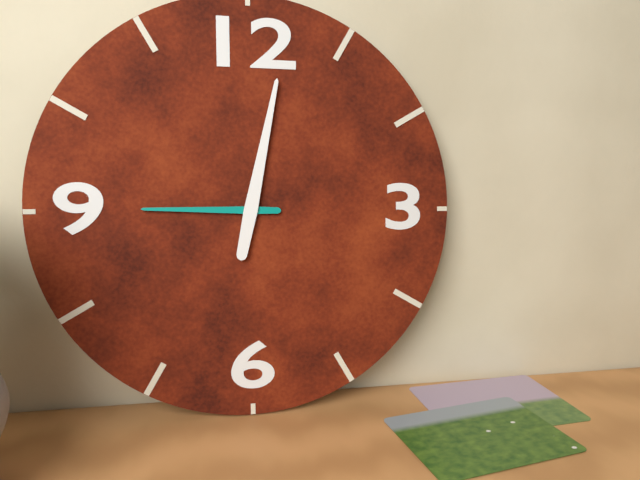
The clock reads 9.02
